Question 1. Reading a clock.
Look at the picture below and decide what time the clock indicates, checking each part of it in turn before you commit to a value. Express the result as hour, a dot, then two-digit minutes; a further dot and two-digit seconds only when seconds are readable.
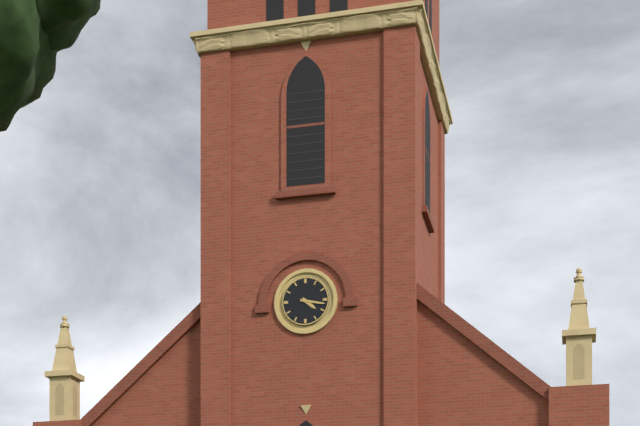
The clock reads 4.17
